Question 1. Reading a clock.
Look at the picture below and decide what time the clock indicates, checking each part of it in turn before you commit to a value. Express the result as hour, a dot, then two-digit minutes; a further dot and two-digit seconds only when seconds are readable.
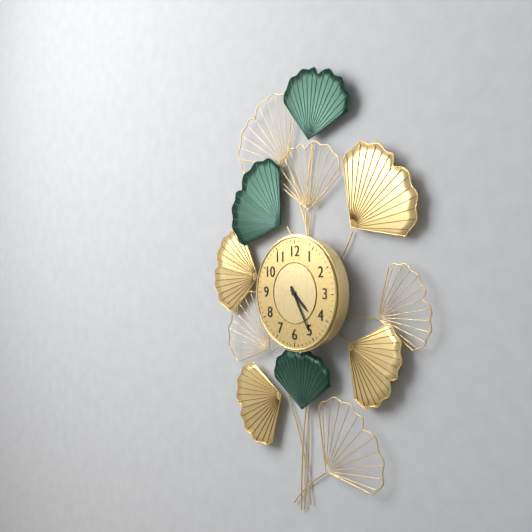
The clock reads 4.25
